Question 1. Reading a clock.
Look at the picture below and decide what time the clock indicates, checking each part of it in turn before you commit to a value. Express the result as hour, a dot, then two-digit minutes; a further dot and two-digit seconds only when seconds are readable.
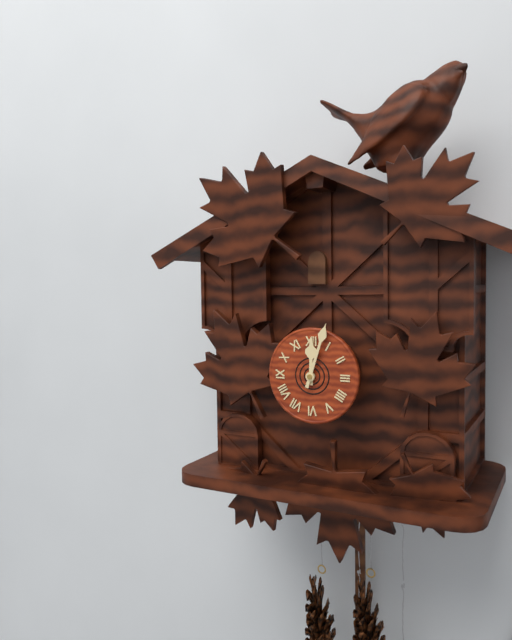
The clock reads 12.03
